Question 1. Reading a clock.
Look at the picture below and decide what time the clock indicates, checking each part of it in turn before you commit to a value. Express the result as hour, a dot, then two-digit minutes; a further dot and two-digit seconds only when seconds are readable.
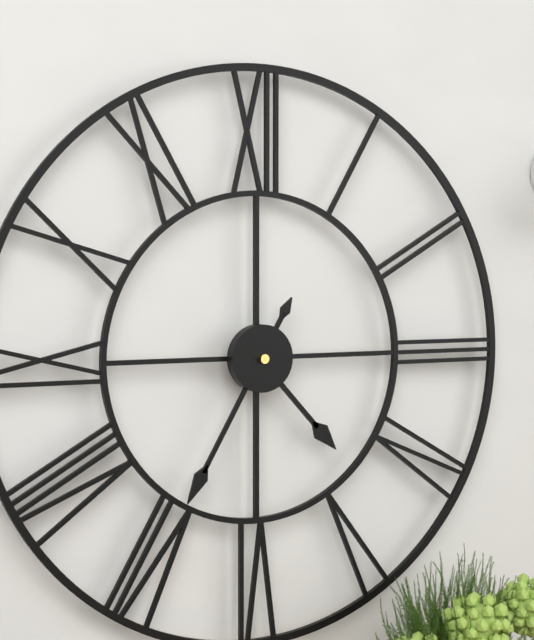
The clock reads 4.35
